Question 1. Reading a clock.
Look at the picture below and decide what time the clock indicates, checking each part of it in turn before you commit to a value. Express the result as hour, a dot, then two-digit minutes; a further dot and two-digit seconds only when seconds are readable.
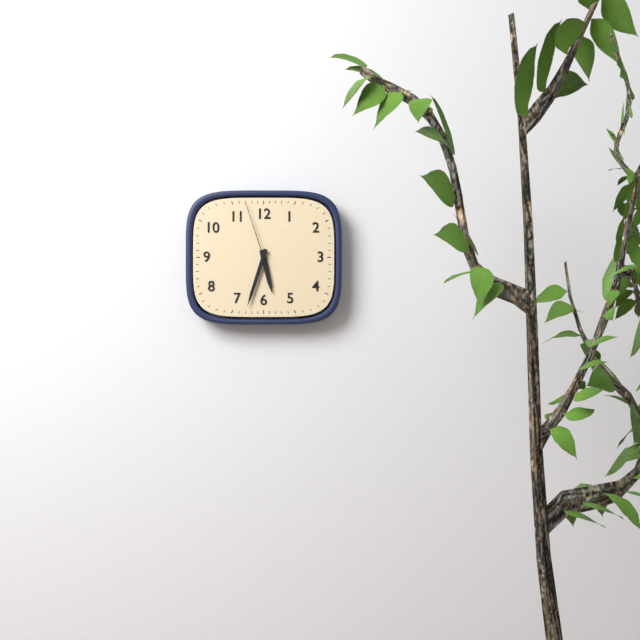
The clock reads 5.33.57
